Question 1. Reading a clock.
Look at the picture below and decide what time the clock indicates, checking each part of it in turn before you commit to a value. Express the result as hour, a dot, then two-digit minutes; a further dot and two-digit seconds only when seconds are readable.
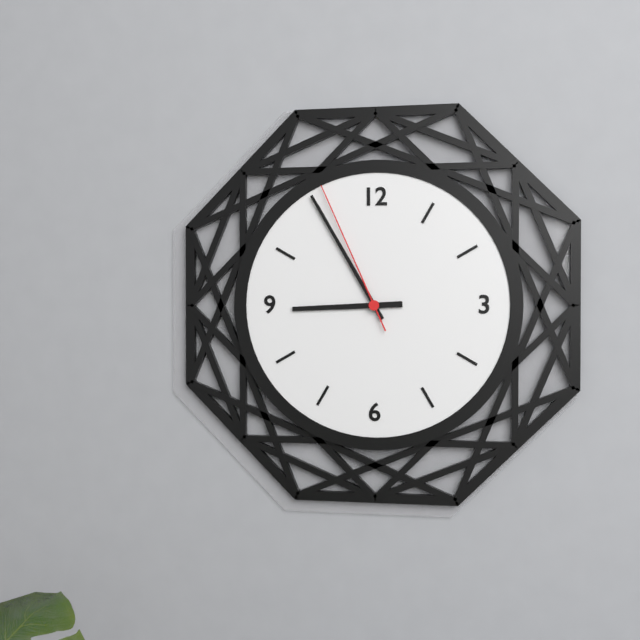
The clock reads 8.55.56
